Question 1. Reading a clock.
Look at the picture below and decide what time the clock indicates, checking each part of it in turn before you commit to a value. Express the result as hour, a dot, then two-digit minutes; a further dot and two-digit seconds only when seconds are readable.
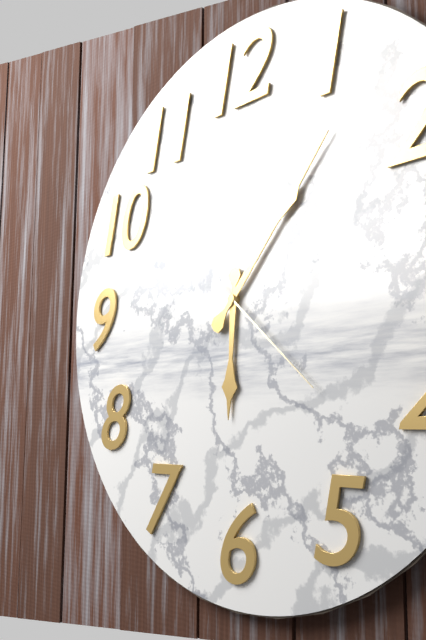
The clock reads 6.07.22
